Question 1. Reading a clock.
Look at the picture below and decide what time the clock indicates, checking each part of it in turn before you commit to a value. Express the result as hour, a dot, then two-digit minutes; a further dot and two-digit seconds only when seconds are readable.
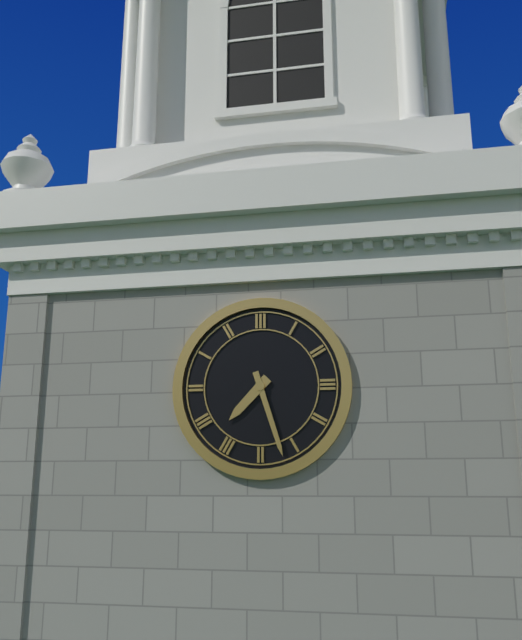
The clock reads 7.27
